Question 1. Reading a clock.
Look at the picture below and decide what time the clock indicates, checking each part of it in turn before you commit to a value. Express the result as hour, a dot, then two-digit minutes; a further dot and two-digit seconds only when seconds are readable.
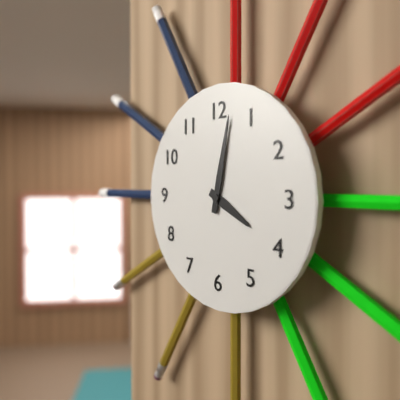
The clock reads 4.02
